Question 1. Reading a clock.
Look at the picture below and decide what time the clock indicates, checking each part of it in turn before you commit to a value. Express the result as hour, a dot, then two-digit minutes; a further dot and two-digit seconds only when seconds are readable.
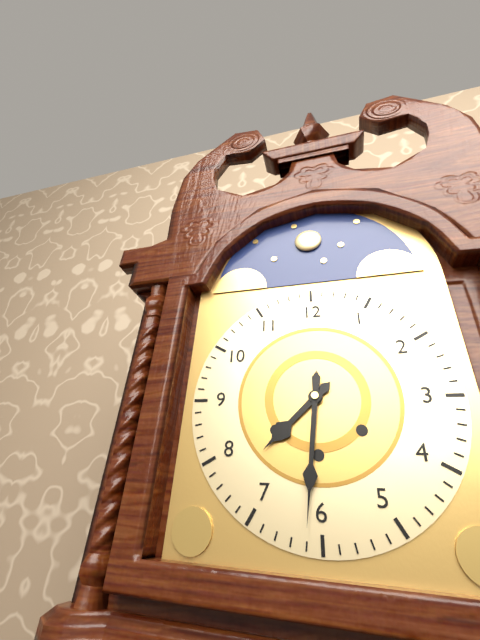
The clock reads 7.31
